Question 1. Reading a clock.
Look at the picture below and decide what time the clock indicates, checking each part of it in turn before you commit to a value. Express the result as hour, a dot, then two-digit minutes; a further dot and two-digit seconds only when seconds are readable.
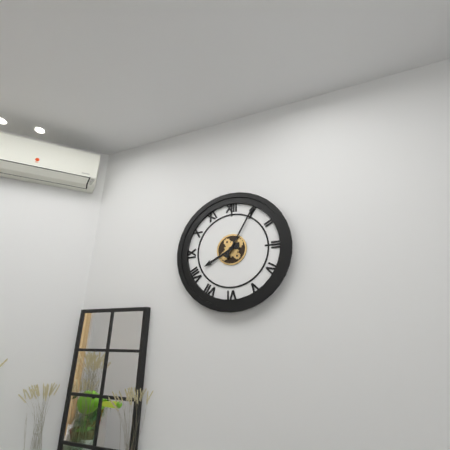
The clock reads 8.05
